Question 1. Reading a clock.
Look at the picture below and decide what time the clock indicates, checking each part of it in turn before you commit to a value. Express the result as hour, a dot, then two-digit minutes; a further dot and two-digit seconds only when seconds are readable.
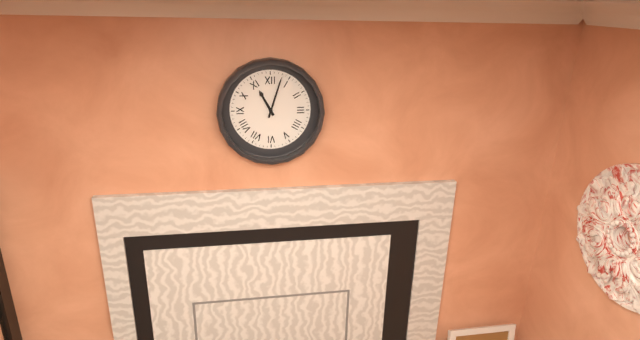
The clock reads 11.03
